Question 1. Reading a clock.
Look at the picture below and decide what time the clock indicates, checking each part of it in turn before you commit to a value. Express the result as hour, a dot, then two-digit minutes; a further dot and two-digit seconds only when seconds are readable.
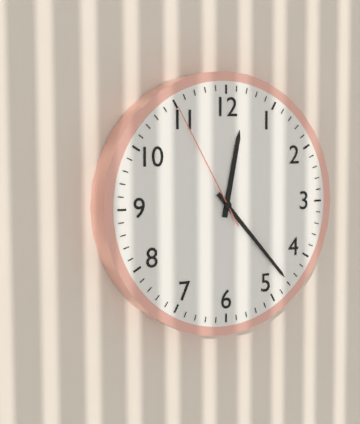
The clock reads 12.23.55
